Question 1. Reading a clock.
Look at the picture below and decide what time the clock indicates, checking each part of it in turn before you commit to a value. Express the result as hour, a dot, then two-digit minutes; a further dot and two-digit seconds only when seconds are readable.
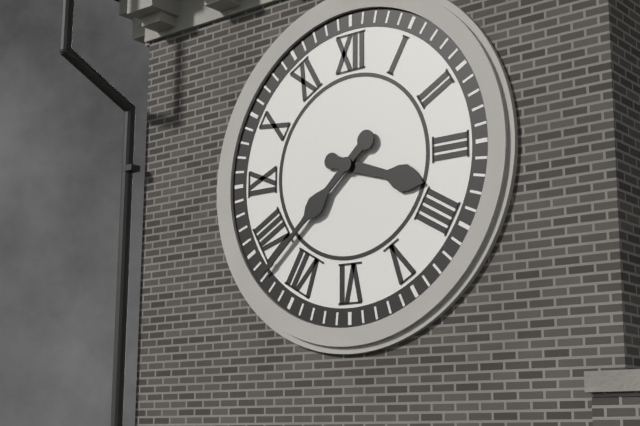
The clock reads 3.38
